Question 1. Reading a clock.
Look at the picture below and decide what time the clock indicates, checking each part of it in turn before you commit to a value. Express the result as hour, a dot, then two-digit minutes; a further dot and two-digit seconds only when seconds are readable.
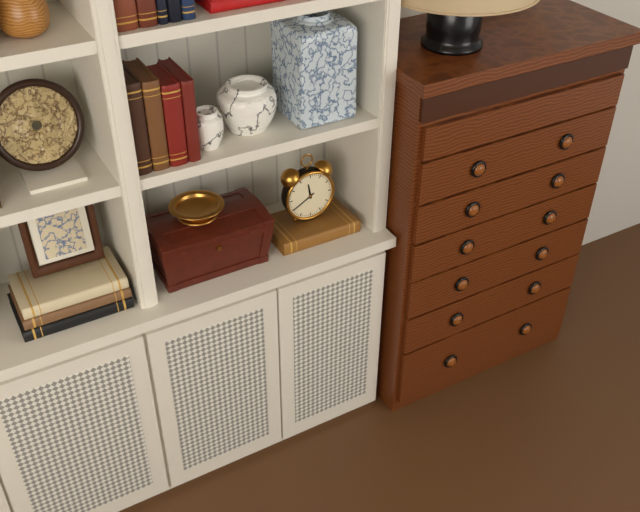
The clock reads 11.40
